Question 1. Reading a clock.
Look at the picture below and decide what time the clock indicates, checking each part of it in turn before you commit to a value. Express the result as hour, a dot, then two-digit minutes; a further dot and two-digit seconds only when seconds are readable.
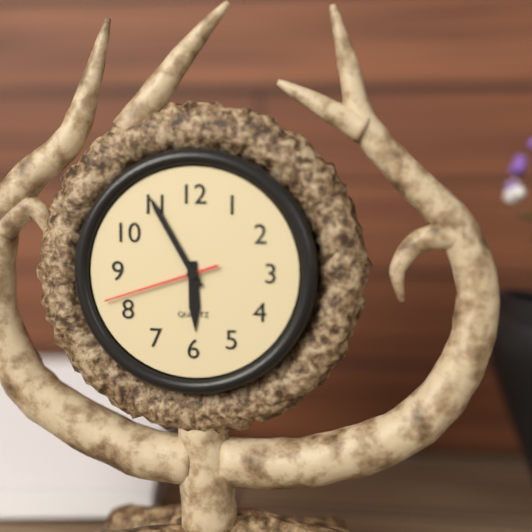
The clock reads 5.55.42
